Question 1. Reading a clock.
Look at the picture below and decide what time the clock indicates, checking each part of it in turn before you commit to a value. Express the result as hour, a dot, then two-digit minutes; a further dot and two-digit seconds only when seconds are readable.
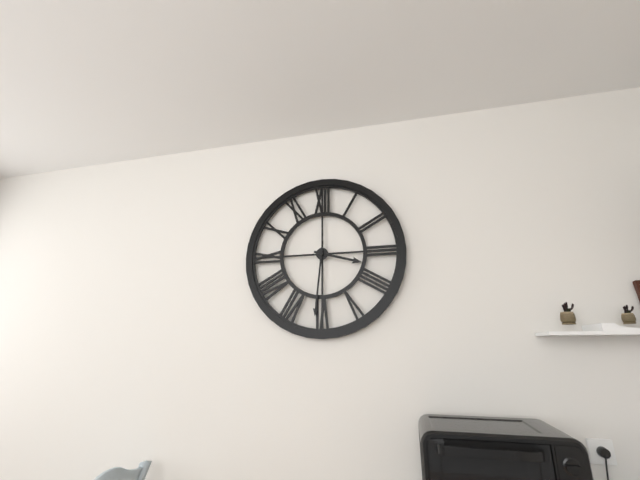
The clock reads 3.31
